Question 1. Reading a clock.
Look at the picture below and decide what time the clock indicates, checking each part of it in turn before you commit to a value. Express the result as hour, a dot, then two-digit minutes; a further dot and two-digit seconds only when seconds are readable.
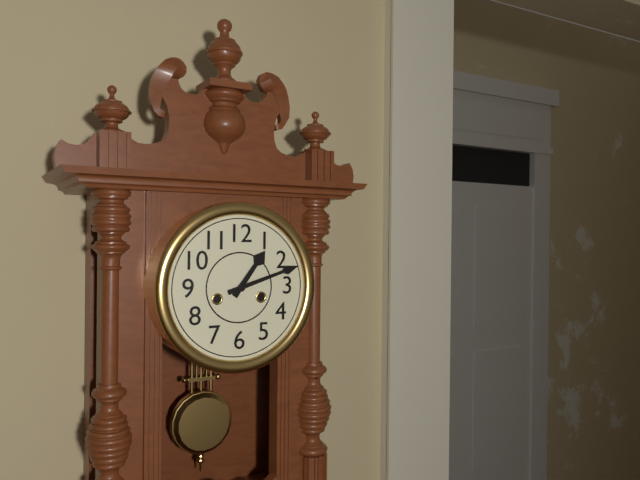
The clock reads 1.12
